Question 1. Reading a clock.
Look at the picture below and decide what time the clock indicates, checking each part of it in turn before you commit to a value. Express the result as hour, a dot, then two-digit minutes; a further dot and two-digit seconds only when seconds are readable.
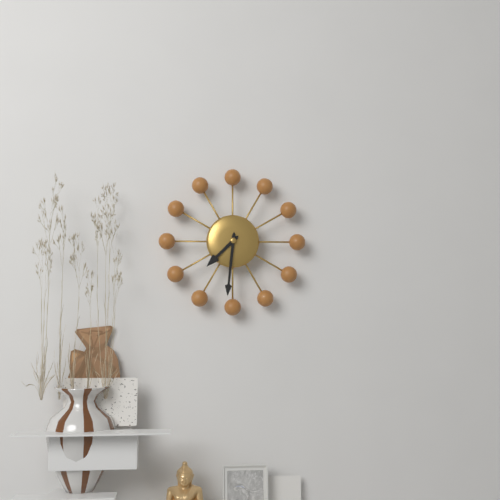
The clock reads 7.31
